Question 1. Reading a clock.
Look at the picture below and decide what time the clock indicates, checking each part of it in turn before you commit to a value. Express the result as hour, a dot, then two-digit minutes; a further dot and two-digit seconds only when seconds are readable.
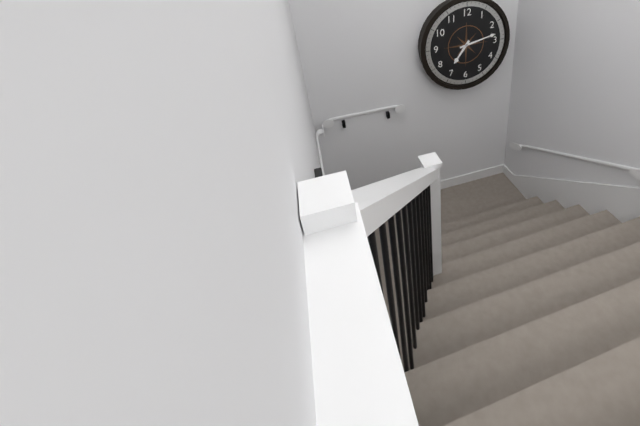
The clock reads 7.13
